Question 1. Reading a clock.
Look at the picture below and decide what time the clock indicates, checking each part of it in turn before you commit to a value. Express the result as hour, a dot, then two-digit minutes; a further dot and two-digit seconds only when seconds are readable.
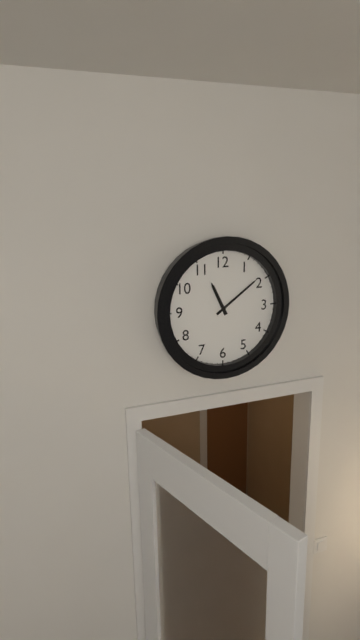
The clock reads 11.09
